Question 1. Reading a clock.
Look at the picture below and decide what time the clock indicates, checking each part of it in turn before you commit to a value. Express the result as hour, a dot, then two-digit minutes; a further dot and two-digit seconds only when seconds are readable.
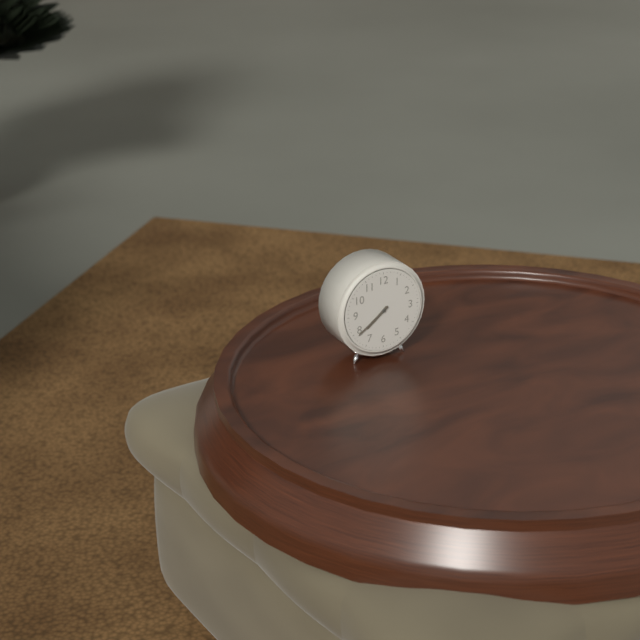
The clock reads 7.39
